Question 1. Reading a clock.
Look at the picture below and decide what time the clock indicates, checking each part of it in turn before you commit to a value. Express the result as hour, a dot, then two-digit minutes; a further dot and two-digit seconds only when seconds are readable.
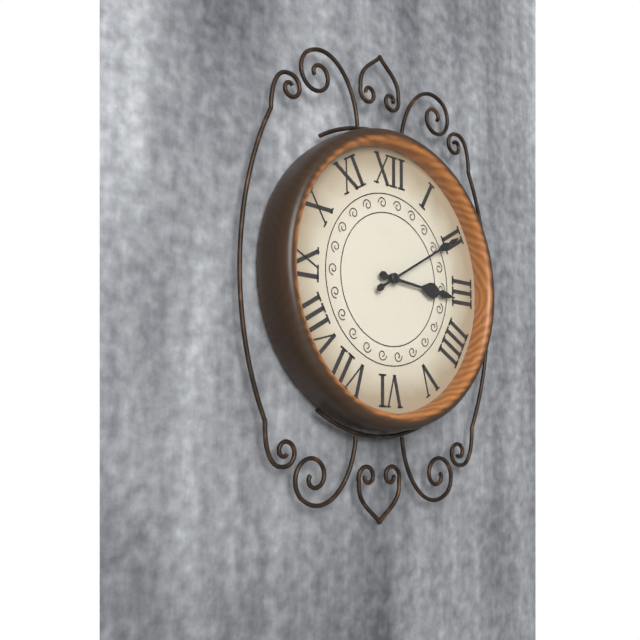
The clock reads 3.10
